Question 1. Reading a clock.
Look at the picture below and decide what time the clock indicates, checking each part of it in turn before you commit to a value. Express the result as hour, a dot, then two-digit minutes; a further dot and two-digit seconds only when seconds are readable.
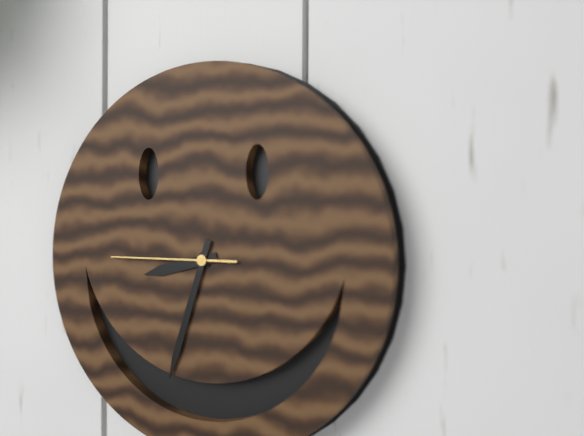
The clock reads 8.33.45
